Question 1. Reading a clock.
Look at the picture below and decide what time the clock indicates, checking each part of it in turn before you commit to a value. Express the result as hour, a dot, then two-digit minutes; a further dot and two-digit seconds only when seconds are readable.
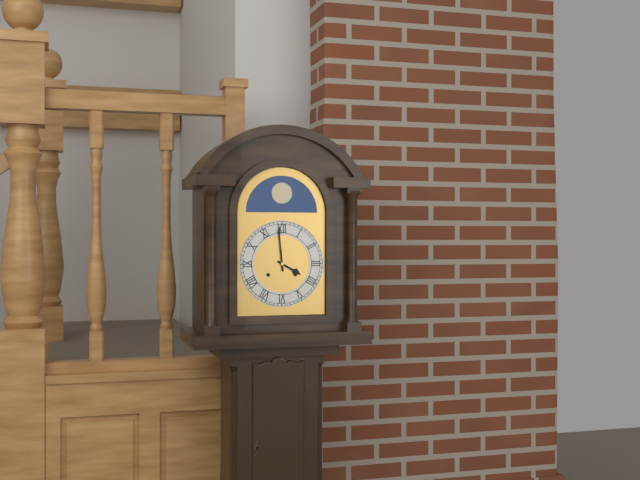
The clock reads 3.59
